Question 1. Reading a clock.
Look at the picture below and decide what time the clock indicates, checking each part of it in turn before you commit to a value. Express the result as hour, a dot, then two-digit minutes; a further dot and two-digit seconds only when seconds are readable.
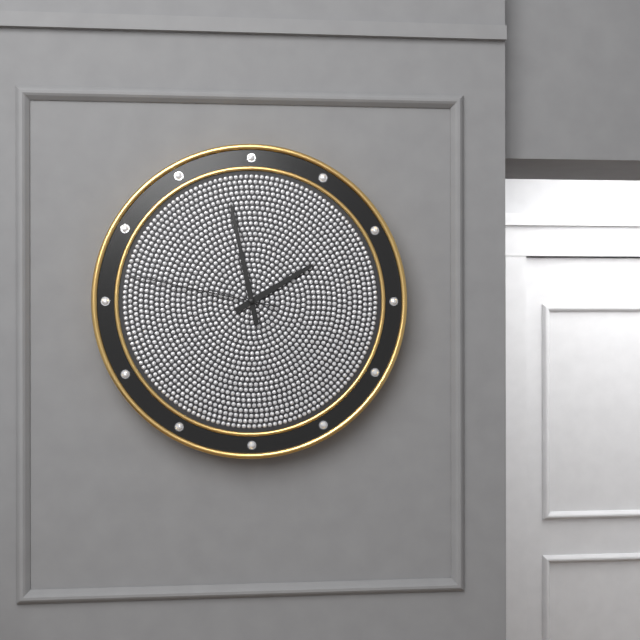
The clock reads 1.58.47
